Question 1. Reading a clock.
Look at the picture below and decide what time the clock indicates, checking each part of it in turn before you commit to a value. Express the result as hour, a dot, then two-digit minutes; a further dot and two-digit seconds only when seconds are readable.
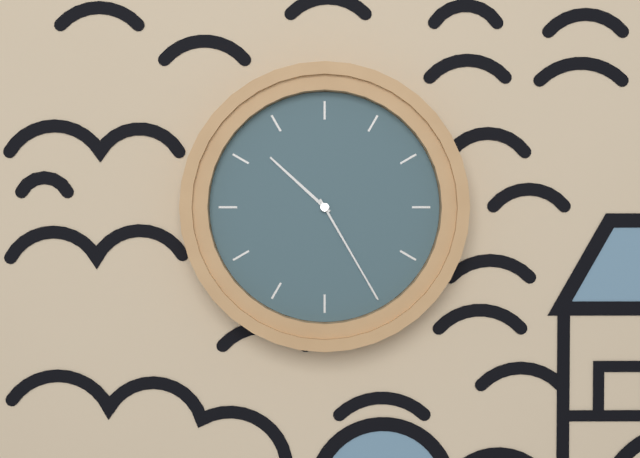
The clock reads 10.25
